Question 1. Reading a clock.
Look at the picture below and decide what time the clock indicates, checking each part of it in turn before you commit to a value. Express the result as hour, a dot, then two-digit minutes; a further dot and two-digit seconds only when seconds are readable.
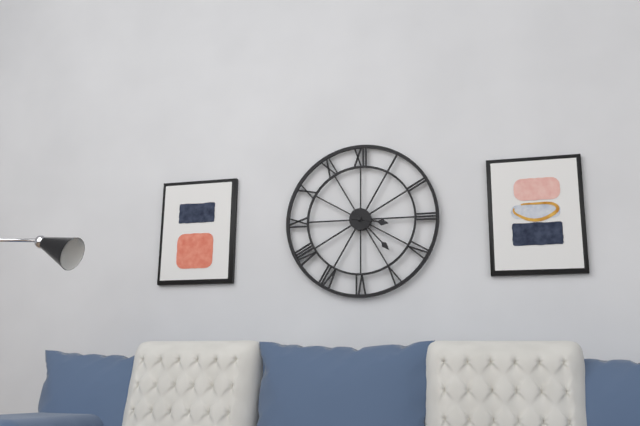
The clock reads 3.23
